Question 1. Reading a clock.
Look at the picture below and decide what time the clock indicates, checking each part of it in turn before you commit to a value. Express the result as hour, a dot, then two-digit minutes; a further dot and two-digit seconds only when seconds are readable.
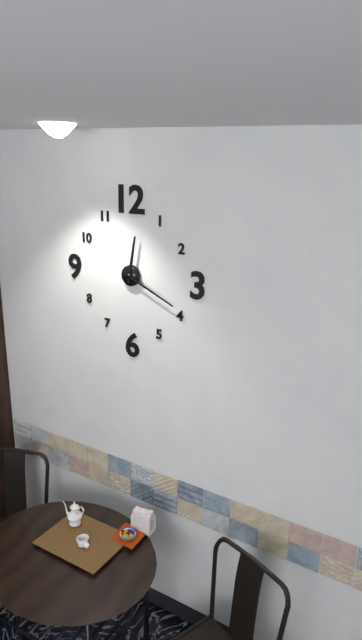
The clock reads 12.19
